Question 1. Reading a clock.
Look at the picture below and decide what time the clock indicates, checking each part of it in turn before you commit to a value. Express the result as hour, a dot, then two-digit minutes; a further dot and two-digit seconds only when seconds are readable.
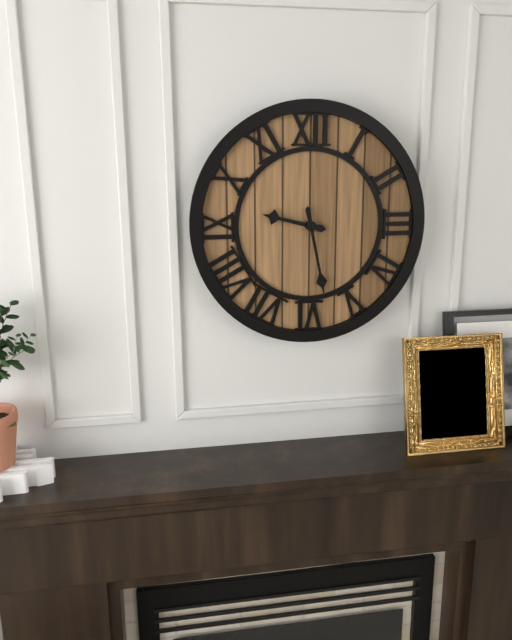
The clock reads 9.28
